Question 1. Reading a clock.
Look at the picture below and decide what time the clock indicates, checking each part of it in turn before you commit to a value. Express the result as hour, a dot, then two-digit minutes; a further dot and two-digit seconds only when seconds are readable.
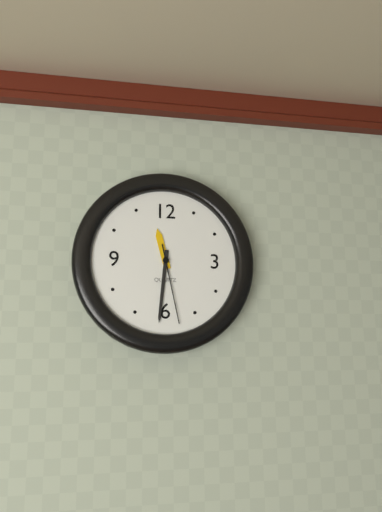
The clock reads 11.31.28
